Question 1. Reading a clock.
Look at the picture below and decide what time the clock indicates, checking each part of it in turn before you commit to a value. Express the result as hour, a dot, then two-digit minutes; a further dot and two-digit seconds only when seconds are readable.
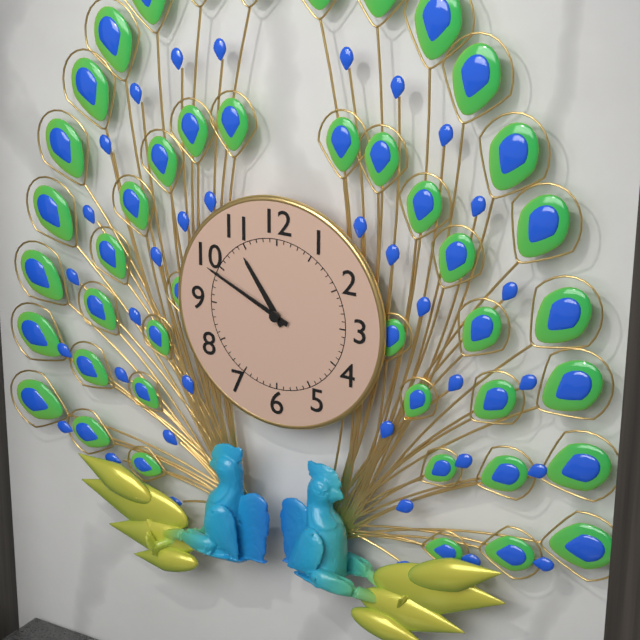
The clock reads 10.49
